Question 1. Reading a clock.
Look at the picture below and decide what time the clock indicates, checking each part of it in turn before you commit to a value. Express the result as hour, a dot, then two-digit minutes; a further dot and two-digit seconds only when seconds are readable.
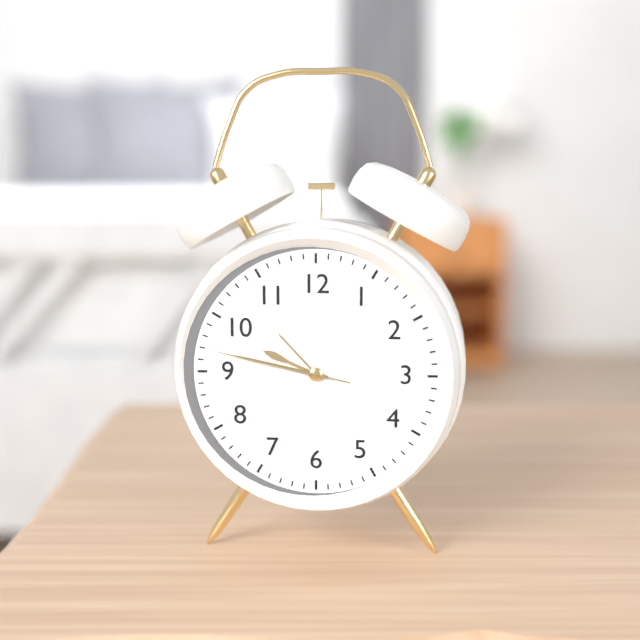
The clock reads 9.47.47
